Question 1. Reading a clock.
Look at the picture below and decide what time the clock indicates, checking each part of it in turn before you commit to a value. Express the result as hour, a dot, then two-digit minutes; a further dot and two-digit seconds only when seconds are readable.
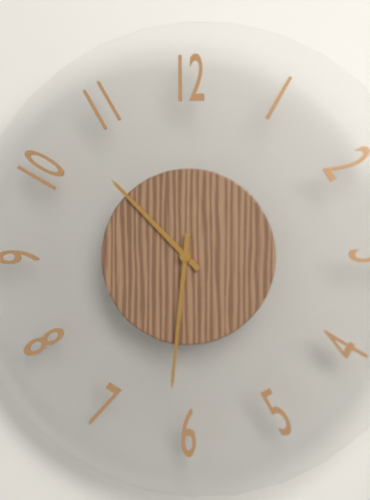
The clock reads 10.31
